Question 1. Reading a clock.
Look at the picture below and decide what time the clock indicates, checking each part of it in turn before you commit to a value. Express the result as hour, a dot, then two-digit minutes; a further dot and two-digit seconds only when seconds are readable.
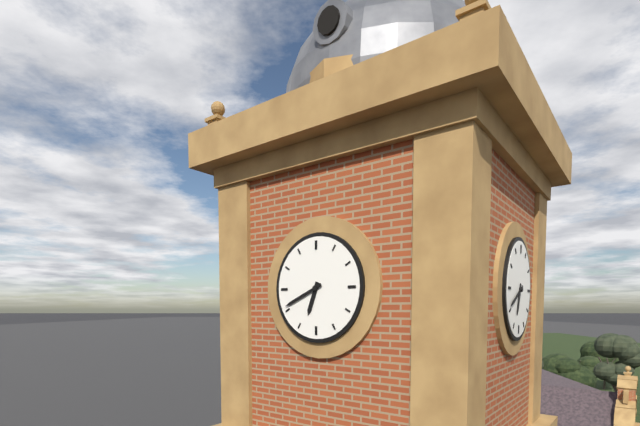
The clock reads 6.41
